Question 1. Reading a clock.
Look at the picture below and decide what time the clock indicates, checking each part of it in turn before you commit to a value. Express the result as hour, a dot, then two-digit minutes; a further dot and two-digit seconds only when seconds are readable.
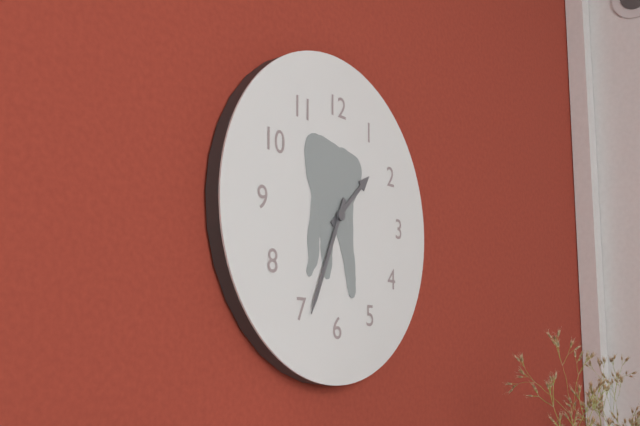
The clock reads 1.34
